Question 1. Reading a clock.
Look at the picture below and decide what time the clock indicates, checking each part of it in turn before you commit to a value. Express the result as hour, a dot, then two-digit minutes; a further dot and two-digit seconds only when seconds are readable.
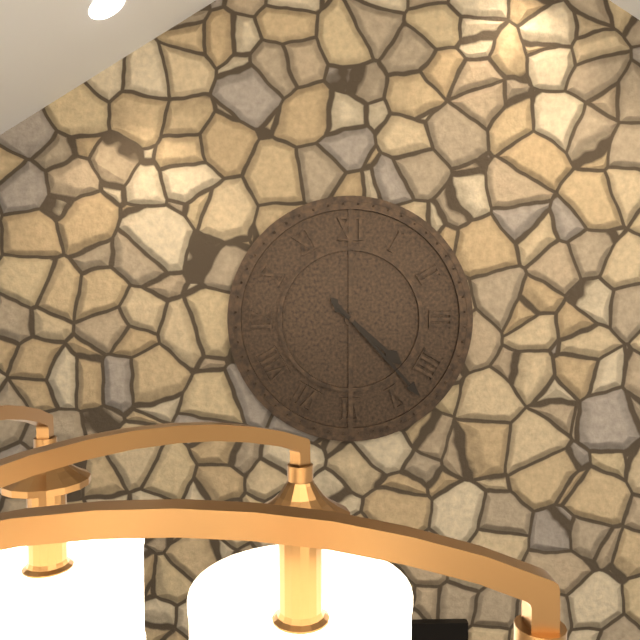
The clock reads 4.23
